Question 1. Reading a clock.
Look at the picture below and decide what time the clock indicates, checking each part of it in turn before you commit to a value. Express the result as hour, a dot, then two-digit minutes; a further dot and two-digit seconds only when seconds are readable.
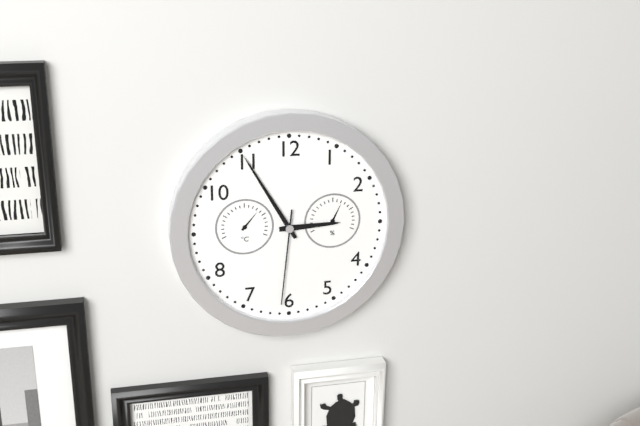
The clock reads 2.55.31
